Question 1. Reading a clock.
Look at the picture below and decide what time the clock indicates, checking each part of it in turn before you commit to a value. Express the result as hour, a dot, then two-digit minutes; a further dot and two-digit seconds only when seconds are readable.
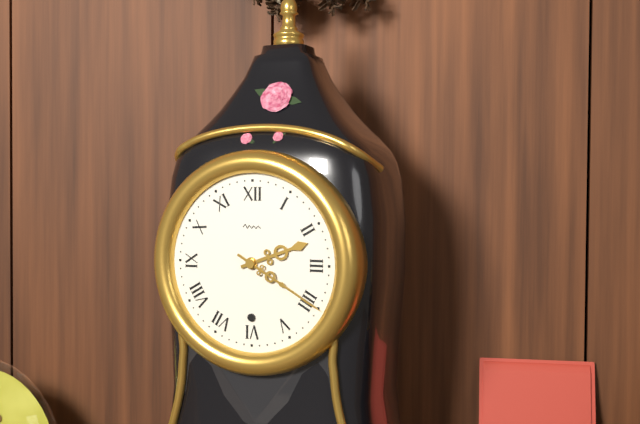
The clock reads 2.20
